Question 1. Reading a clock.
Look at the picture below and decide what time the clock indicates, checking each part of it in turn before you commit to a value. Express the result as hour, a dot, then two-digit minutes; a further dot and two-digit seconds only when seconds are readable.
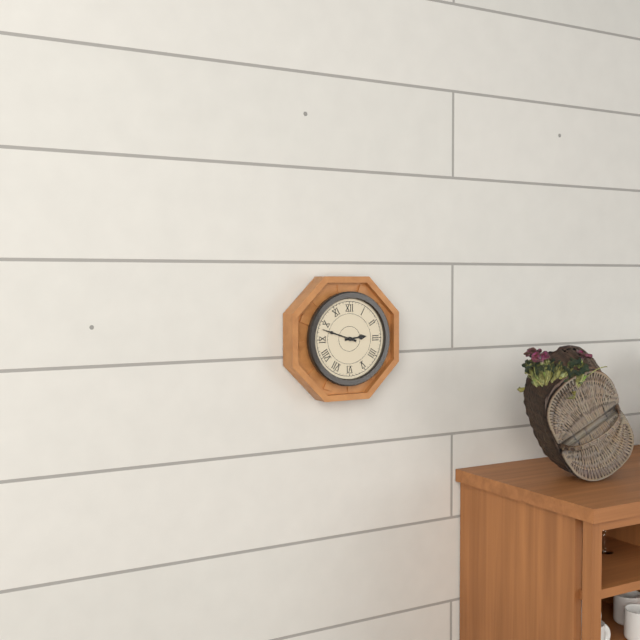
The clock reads 2.48
